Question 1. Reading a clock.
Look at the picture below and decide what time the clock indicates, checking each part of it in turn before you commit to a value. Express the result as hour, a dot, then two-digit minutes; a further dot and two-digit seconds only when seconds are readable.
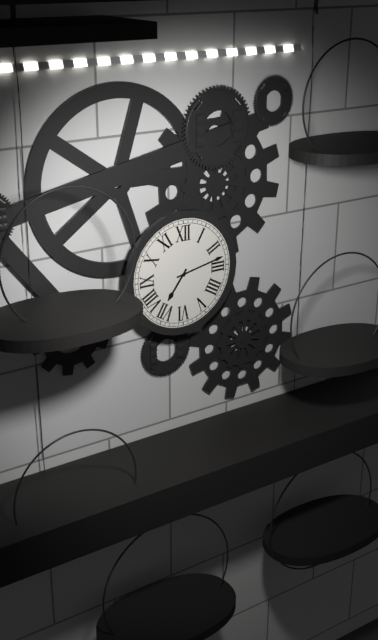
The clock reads 7.13
